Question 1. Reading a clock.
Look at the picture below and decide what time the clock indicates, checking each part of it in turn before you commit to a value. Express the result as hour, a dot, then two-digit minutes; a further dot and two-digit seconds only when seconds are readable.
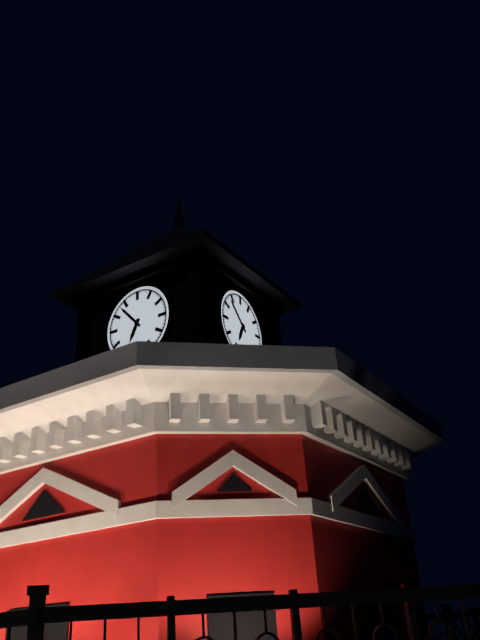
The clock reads 6.53
